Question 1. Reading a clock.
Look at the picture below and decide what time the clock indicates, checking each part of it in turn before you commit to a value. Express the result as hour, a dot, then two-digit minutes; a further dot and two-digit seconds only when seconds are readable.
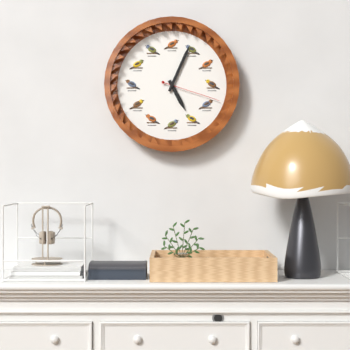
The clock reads 5.04.18
